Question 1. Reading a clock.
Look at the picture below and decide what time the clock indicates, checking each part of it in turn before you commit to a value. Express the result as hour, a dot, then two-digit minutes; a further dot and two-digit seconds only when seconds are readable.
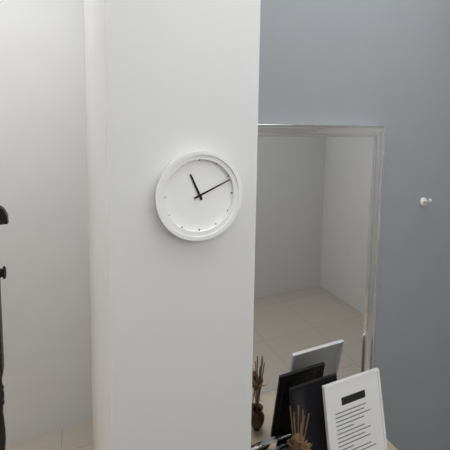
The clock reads 11.11
